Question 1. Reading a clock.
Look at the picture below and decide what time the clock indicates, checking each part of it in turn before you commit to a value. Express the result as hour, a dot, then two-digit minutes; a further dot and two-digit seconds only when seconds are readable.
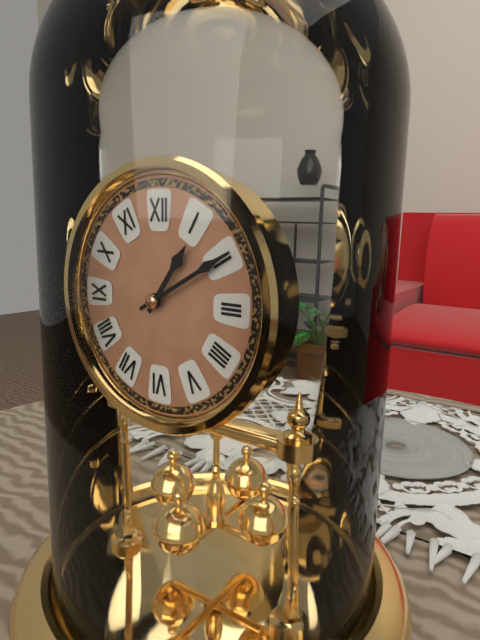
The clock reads 1.10
